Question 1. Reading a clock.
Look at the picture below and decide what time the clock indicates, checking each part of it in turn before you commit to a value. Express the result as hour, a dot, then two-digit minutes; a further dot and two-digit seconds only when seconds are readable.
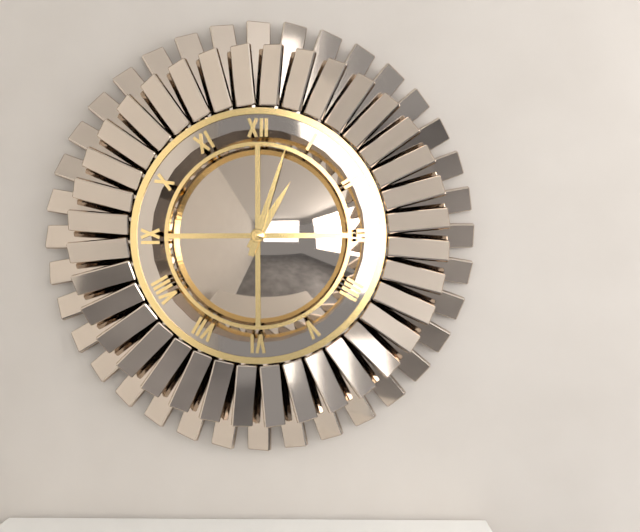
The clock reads 1.03
